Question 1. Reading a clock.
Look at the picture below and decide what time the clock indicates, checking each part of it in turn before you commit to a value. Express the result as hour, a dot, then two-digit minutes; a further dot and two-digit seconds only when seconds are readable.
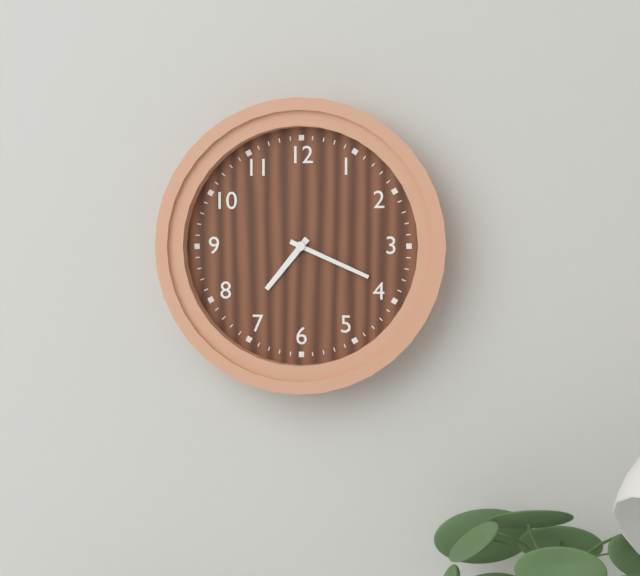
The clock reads 7.19
